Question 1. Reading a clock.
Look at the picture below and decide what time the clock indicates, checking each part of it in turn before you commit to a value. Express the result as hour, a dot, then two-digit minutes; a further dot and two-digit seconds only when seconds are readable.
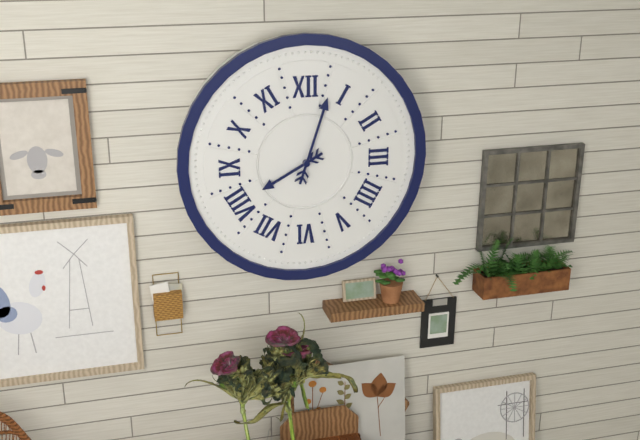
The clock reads 8.03
